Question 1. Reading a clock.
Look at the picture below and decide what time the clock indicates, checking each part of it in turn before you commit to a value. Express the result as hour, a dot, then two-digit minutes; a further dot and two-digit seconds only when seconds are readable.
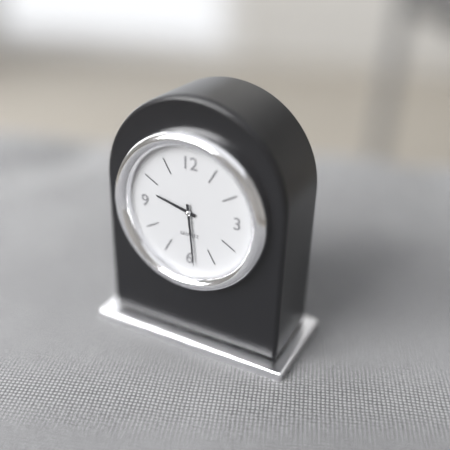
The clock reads 9.29
